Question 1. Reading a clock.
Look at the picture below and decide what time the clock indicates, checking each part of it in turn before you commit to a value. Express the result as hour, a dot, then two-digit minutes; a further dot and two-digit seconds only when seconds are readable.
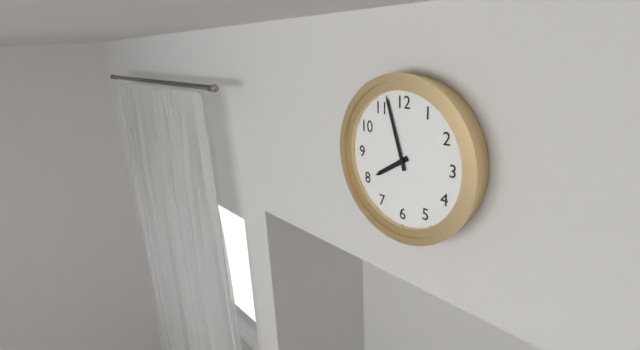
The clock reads 7.57
